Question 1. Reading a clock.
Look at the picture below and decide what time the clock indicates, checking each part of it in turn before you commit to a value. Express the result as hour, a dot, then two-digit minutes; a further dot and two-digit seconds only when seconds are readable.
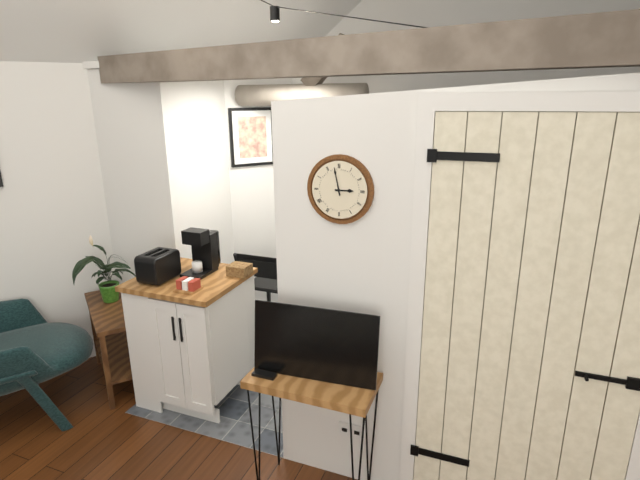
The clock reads 2.58
